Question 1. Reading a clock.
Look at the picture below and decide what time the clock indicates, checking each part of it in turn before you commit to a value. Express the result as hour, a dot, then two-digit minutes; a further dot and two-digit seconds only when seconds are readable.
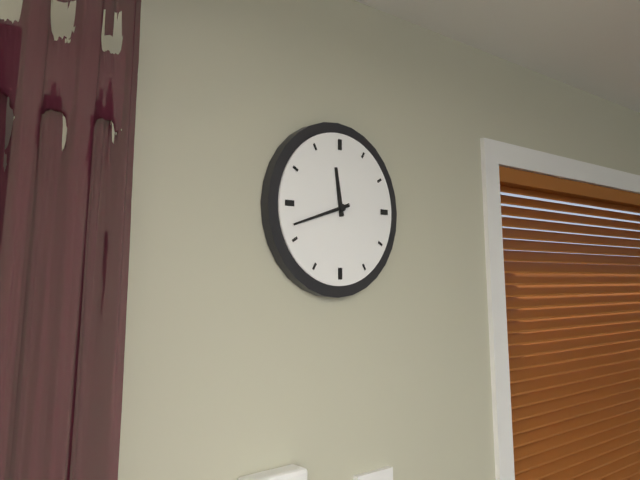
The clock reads 11.42
